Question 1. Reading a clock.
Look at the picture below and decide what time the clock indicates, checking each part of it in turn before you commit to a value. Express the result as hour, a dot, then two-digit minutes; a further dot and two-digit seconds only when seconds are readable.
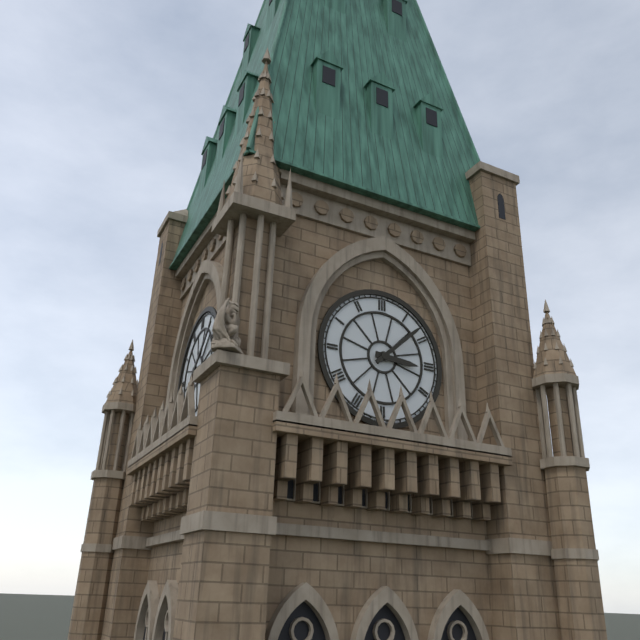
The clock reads 3.08
